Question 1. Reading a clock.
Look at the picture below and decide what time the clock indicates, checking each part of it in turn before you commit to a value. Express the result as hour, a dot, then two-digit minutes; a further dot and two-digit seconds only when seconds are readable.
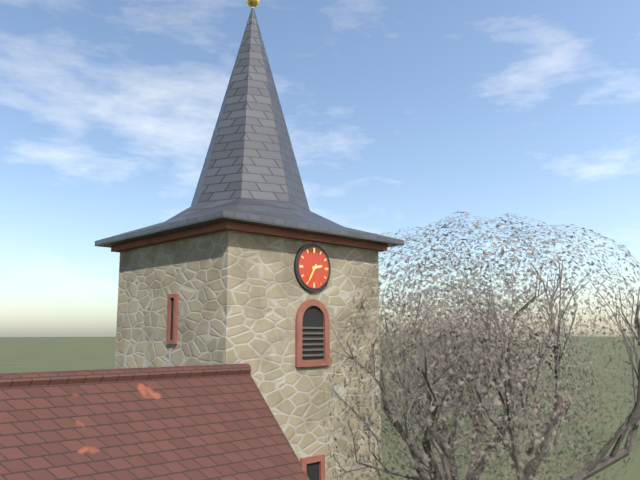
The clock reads 2.35
